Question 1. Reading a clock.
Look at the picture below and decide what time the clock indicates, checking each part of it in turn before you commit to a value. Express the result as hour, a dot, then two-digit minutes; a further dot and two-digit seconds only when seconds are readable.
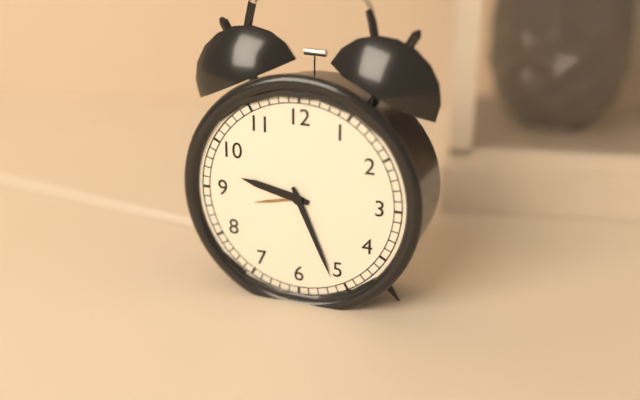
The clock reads 9.26
